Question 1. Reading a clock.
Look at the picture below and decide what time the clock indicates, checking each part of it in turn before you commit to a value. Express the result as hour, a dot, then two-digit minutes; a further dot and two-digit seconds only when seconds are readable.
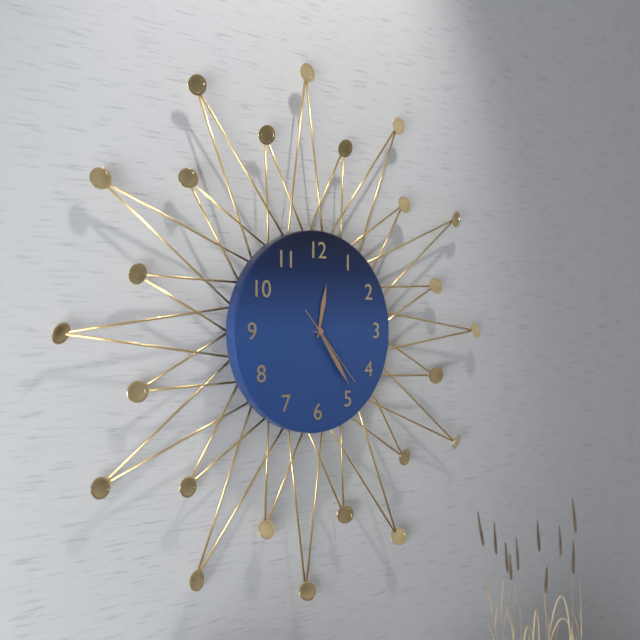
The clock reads 12.24.23
